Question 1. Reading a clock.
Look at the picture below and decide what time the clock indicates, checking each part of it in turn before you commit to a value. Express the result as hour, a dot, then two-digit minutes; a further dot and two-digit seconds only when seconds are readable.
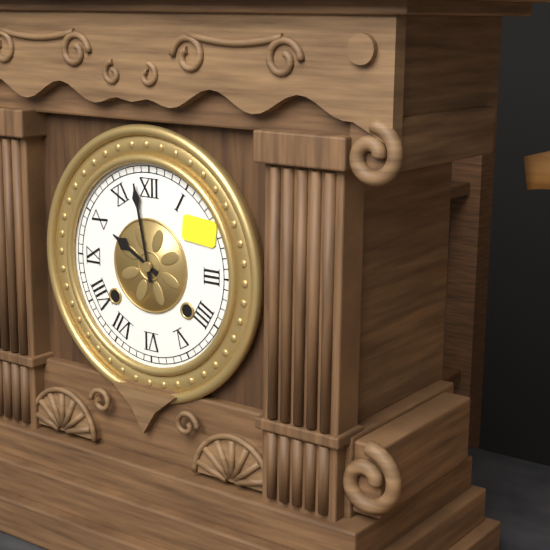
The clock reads 9.58
